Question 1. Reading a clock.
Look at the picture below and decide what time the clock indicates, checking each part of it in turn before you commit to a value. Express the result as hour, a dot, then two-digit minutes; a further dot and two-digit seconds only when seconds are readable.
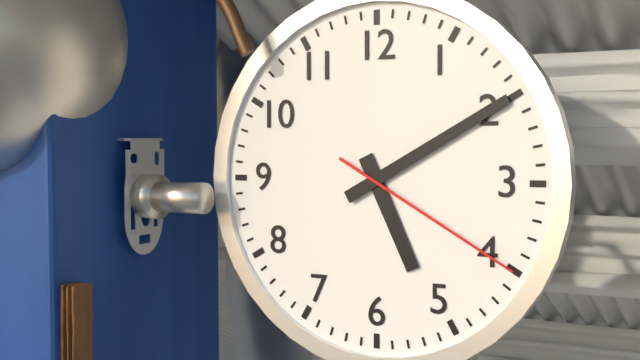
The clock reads 5.10.20
